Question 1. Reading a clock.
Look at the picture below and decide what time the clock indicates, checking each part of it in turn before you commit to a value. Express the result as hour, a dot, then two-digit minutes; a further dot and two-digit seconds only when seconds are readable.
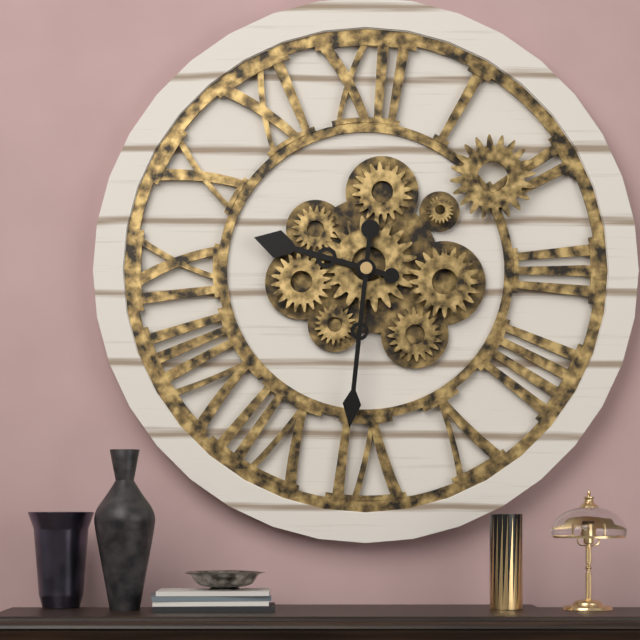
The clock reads 9.31
